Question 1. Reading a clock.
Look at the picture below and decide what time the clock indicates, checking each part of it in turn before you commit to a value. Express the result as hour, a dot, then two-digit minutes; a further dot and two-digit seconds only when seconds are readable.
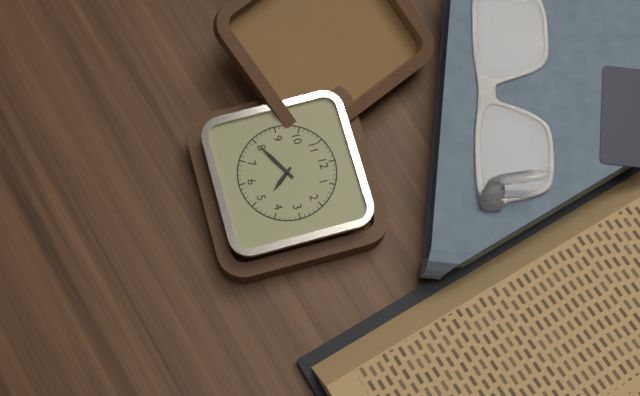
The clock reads 4.40
